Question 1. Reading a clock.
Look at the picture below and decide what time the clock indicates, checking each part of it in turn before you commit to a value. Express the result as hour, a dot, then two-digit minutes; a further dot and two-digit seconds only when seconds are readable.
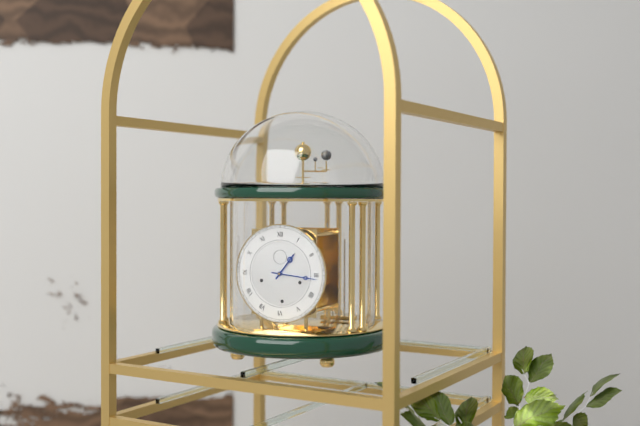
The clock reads 1.16
